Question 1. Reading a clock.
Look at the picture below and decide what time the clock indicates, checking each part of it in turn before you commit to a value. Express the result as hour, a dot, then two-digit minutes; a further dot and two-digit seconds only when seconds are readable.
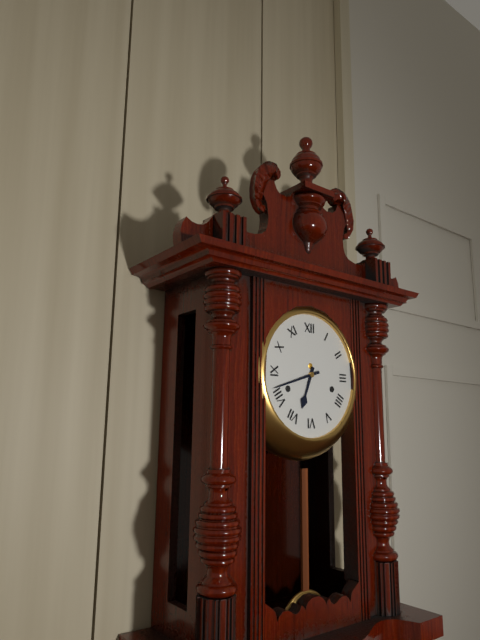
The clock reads 6.42
